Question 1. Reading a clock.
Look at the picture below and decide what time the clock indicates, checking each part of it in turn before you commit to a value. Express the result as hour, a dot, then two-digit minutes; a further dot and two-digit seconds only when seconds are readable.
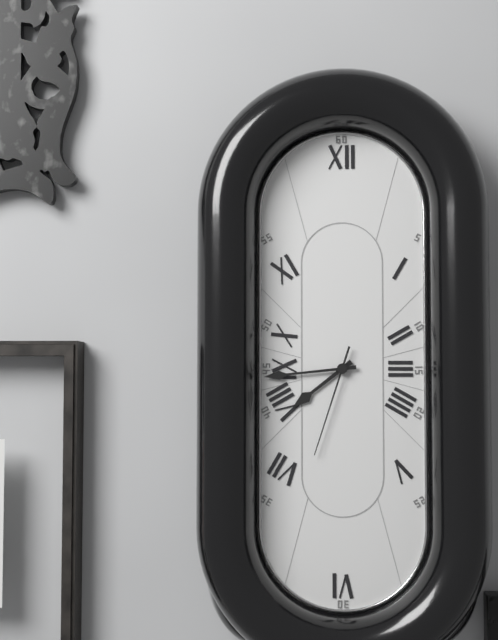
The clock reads 7.44.33
